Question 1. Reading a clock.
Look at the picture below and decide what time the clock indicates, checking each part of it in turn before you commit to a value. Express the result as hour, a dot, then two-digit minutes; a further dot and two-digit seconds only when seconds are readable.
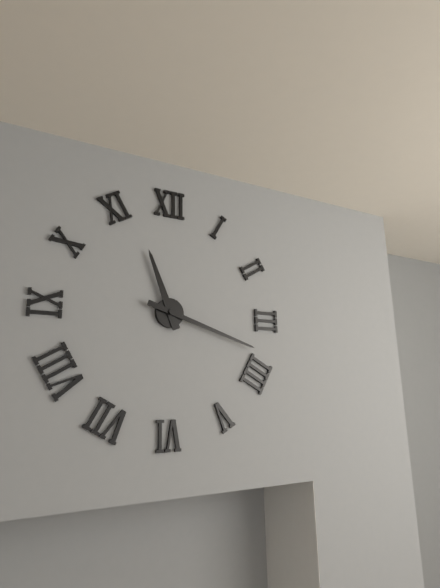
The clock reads 11.18
